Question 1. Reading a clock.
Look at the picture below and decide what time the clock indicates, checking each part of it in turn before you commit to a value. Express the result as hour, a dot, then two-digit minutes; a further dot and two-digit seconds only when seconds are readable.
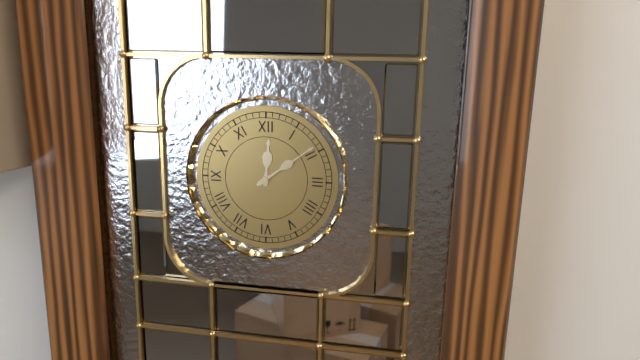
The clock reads 12.09
